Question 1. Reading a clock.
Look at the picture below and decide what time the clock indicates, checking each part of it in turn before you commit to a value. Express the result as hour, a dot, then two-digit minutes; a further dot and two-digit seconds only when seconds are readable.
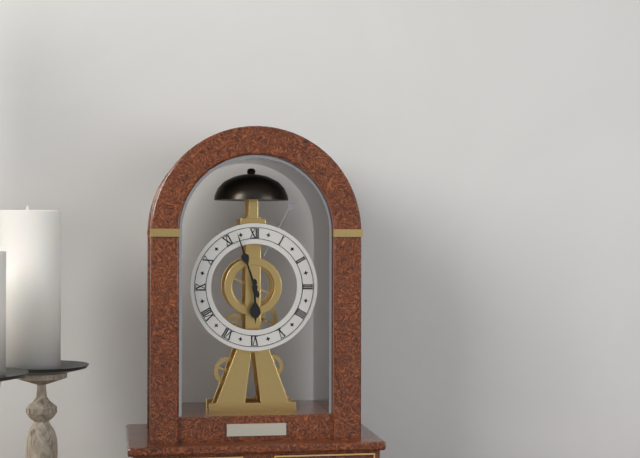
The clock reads 5.57
